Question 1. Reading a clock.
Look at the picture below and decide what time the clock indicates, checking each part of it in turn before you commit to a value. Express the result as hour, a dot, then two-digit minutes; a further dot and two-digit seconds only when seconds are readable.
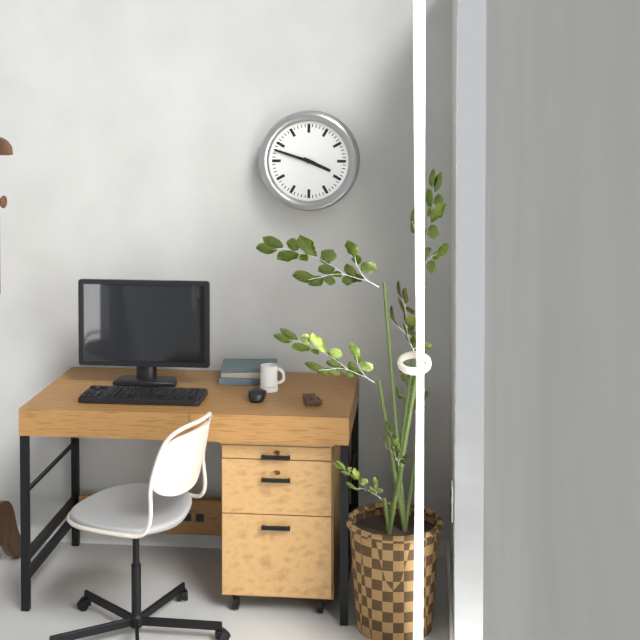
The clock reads 3.48
